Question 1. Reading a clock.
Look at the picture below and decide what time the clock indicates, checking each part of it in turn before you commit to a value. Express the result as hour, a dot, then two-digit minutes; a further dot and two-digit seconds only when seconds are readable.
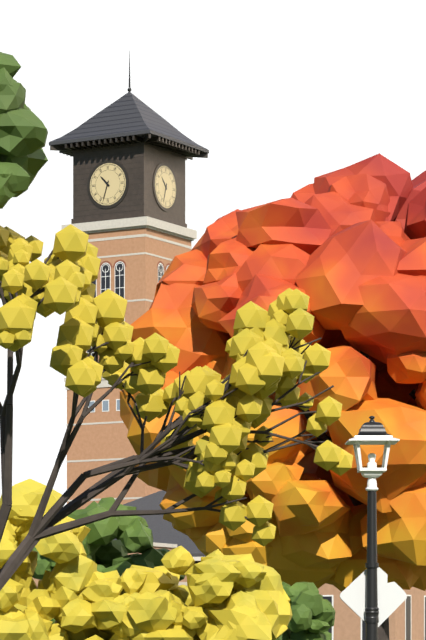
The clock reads 10.33
